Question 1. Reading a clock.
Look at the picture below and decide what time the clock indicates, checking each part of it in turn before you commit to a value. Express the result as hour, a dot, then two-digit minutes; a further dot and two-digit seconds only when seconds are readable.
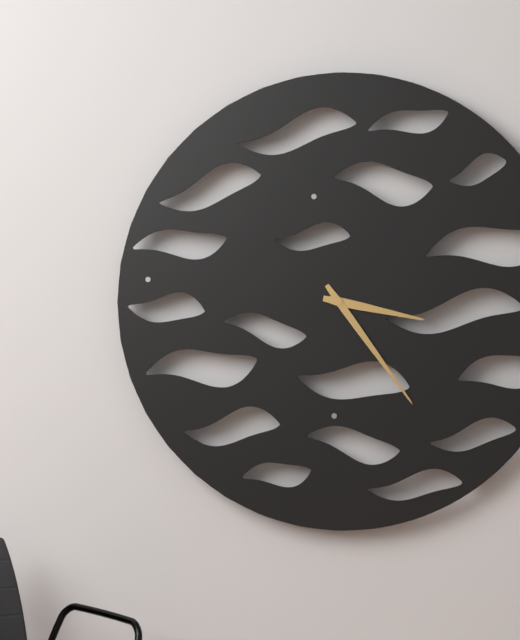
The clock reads 3.24
